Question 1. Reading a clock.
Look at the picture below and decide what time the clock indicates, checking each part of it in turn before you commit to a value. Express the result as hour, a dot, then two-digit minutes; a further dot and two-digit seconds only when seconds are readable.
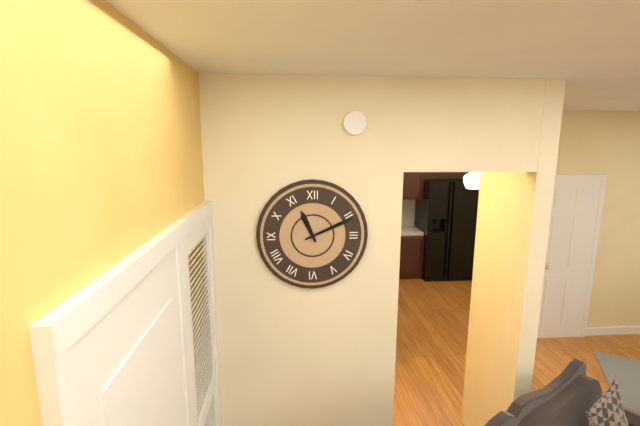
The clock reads 11.11
